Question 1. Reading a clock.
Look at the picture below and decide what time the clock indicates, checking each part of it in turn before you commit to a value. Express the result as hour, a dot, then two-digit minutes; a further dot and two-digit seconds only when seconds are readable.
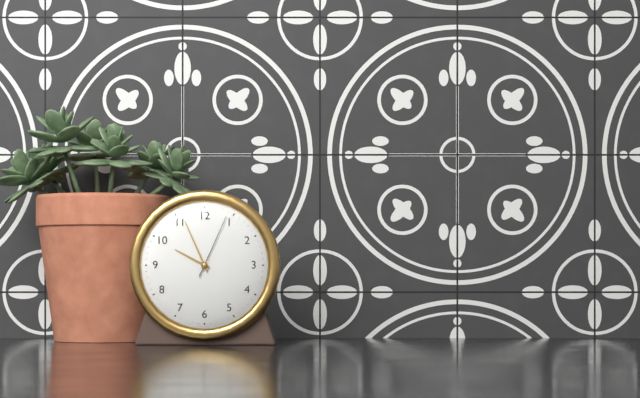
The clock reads 9.56.04
